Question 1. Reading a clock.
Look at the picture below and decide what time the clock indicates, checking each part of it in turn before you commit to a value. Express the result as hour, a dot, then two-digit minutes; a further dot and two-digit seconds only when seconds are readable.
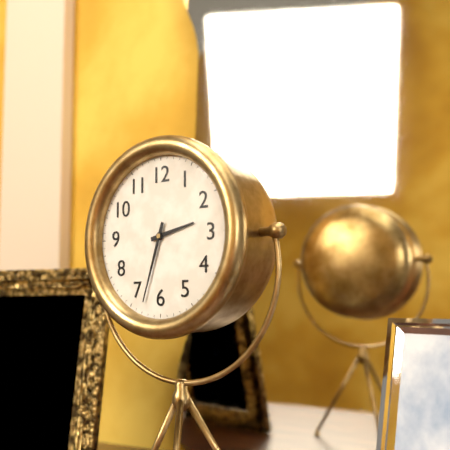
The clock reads 2.33
